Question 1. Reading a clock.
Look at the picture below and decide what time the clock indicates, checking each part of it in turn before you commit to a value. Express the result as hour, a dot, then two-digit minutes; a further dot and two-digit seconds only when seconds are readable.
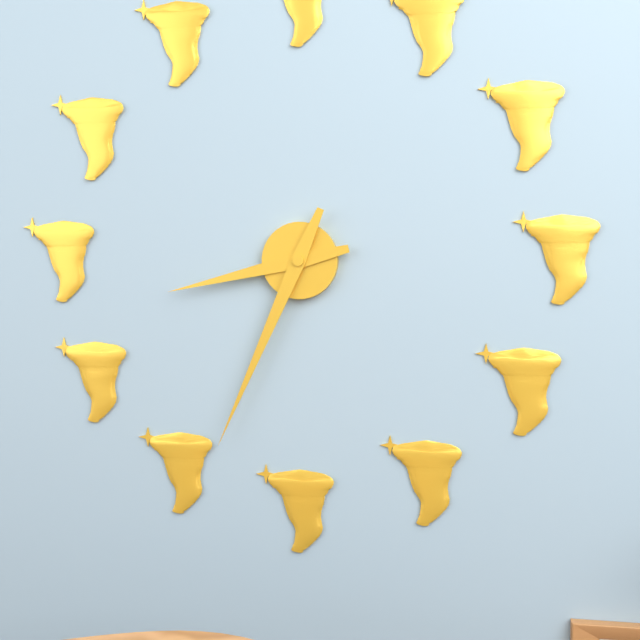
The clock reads 8.34
